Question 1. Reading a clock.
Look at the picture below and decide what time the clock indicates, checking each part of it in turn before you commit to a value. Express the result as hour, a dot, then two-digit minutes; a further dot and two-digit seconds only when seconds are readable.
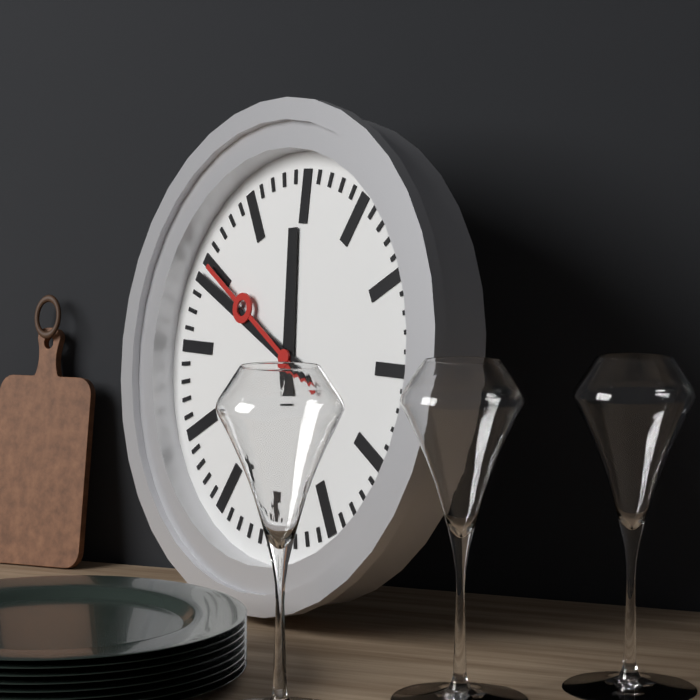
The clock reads 11.49.50
